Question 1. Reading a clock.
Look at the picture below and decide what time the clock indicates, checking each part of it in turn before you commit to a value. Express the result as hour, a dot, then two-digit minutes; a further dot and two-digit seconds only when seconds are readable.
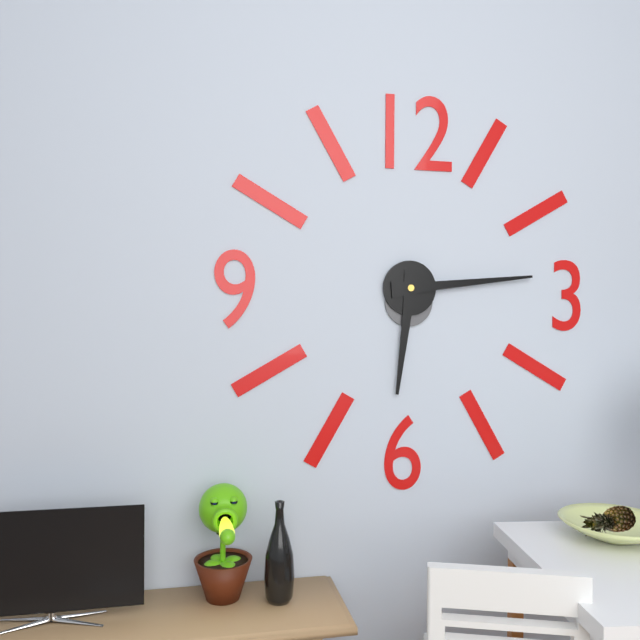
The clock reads 6.14
